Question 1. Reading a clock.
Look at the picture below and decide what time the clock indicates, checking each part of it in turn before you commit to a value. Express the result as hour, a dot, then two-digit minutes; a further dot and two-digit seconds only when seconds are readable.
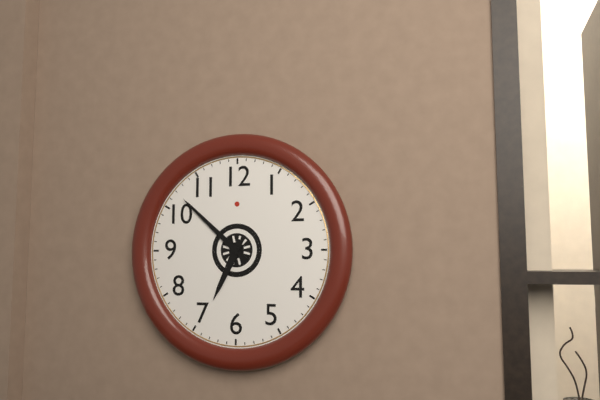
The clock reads 6.52
